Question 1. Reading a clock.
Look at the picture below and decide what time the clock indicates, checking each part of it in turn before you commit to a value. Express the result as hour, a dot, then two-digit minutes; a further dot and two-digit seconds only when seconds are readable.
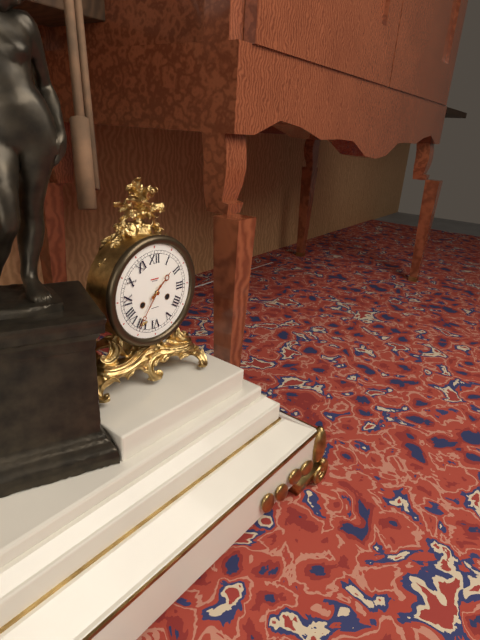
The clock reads 1.36
